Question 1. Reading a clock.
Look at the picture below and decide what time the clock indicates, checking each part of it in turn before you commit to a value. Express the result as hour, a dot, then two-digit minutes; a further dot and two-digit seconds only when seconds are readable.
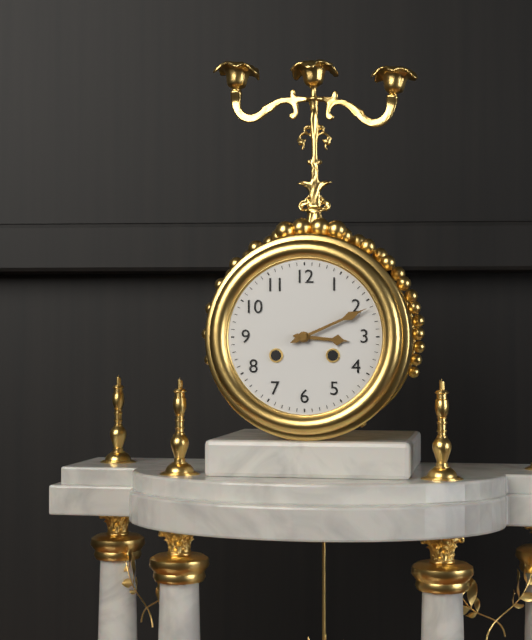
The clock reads 3.11
